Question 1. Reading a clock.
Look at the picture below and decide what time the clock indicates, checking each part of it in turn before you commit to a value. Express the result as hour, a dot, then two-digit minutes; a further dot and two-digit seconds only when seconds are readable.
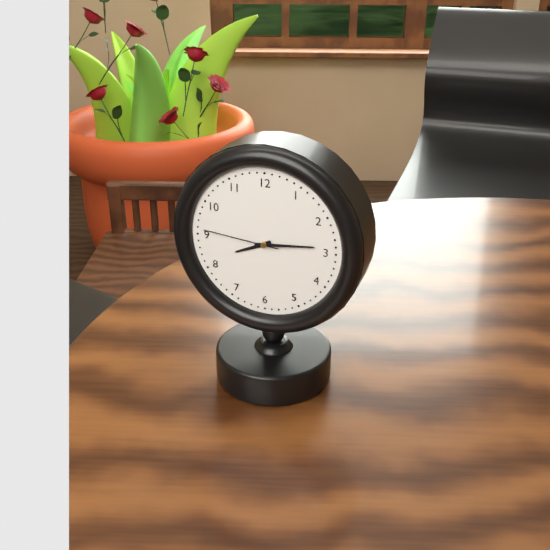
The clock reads 8.14.46
